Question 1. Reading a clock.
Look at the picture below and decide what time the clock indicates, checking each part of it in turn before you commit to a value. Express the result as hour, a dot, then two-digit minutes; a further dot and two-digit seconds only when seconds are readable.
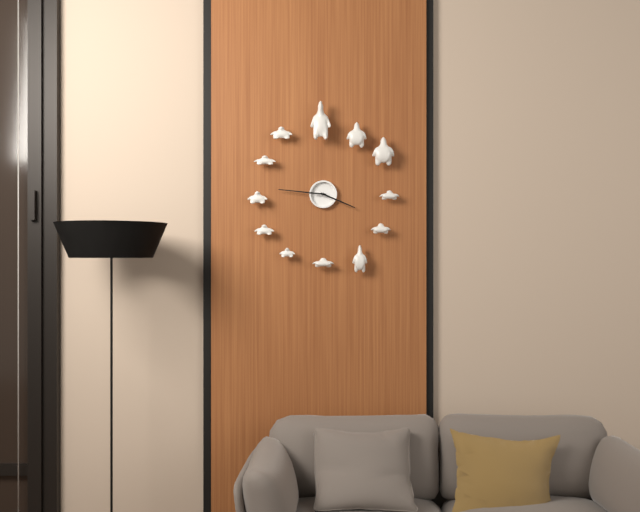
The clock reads 3.46
